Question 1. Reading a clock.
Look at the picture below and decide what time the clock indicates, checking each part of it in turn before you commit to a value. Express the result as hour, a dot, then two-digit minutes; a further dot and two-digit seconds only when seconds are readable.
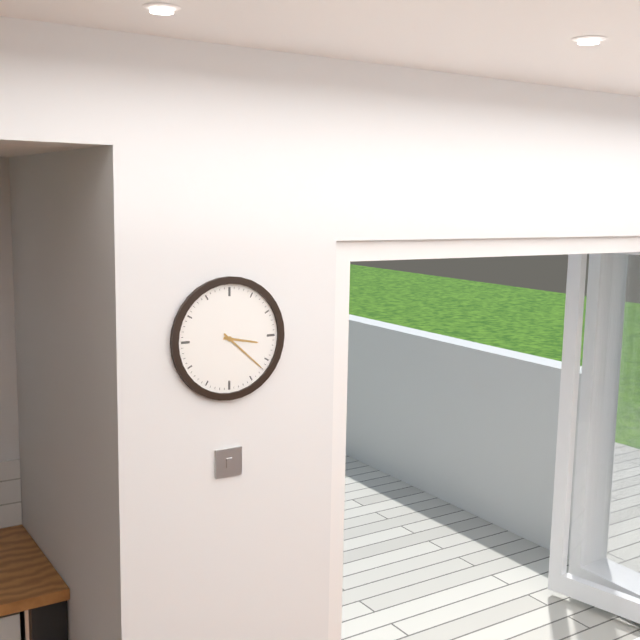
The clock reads 3.22
